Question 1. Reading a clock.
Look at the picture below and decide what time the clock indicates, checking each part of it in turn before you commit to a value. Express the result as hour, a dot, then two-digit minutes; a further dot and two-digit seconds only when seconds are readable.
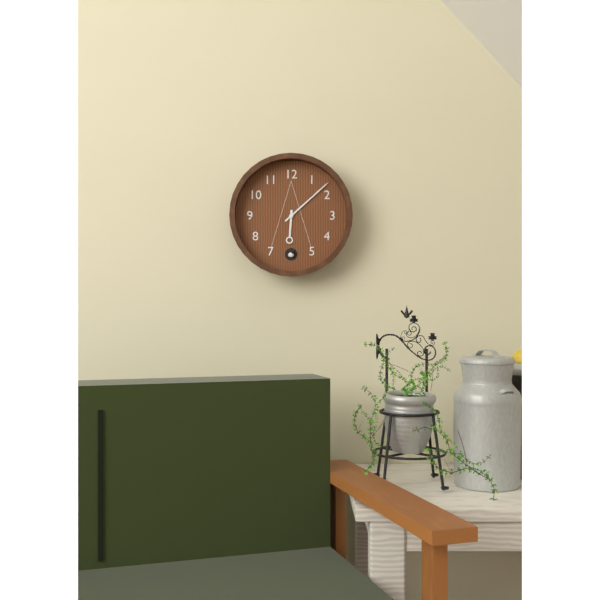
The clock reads 6.08
